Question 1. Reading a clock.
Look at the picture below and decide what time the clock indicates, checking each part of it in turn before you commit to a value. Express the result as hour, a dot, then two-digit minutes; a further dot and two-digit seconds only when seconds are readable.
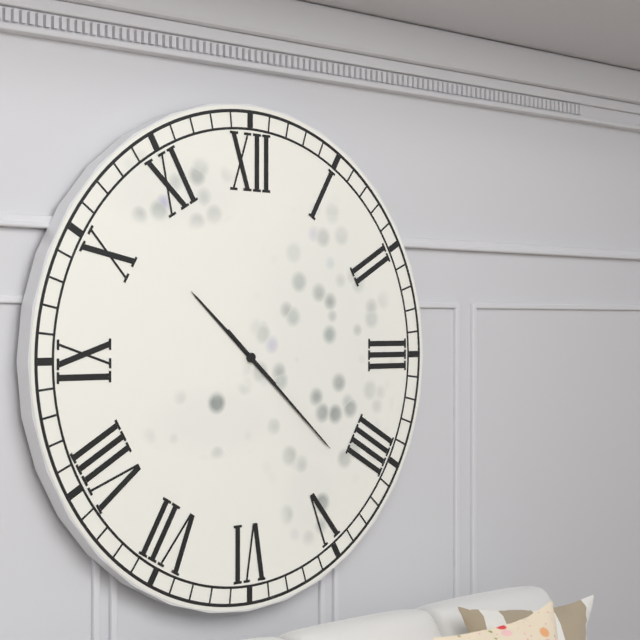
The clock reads 10.22
